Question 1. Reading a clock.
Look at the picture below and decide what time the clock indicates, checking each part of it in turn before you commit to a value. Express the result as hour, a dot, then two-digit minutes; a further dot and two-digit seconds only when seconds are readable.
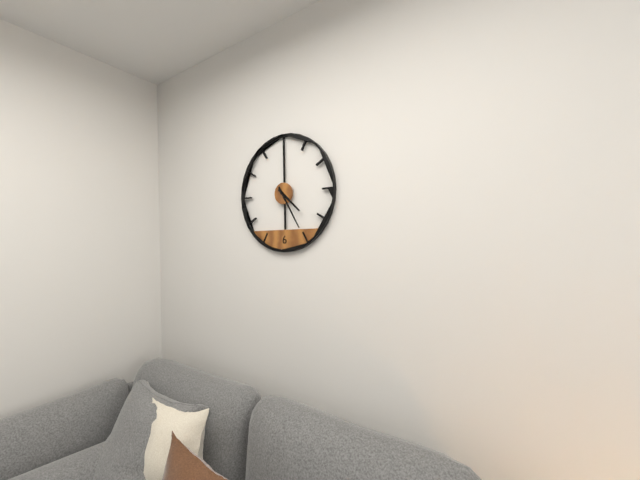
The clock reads 4.25
